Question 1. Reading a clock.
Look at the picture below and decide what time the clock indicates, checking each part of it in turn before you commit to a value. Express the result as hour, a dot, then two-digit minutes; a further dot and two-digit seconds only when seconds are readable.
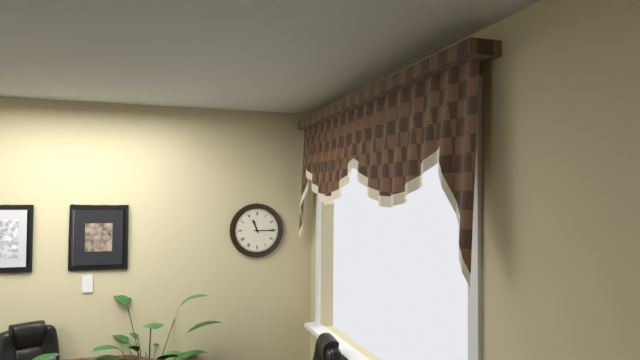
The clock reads 11.15
